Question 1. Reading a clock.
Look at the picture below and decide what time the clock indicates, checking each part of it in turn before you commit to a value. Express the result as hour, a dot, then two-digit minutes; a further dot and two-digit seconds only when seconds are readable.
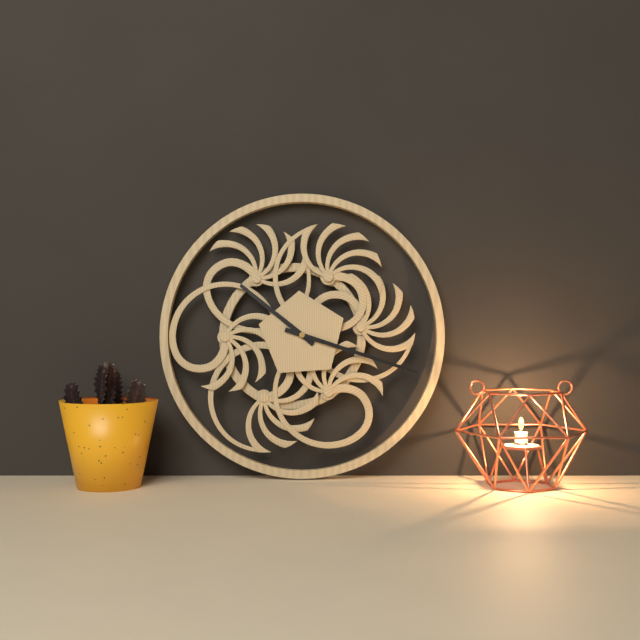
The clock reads 10.18
